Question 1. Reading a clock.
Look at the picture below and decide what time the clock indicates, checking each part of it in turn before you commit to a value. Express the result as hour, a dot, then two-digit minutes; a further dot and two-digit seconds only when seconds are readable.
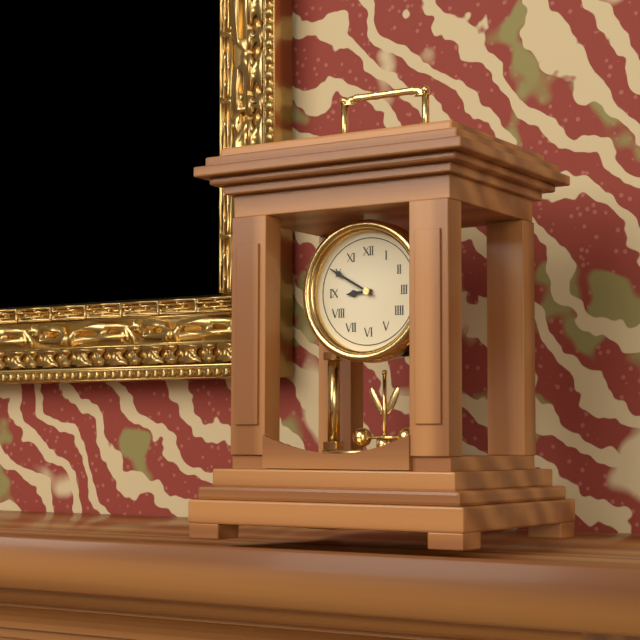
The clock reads 8.50
